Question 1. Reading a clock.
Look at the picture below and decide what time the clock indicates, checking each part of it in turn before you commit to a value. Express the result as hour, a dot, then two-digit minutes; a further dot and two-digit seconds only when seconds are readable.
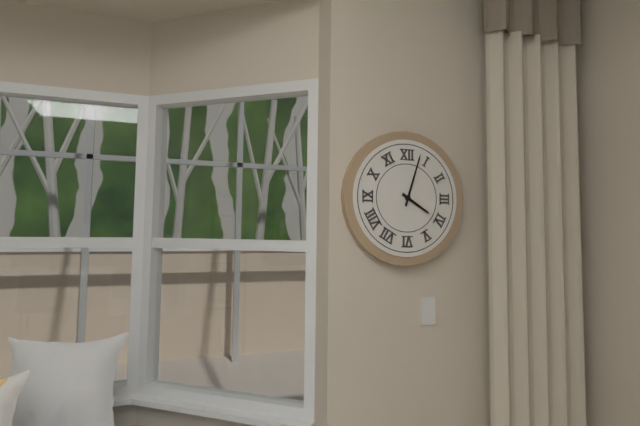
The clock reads 4.03
